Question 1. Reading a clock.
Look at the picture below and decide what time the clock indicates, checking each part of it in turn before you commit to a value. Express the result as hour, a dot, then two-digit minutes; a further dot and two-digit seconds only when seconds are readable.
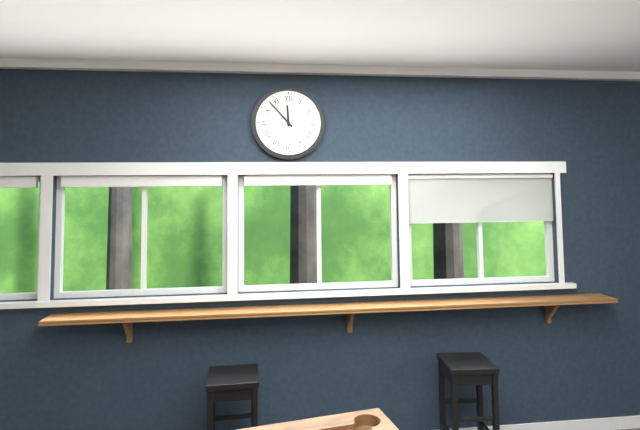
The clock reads 11.53
